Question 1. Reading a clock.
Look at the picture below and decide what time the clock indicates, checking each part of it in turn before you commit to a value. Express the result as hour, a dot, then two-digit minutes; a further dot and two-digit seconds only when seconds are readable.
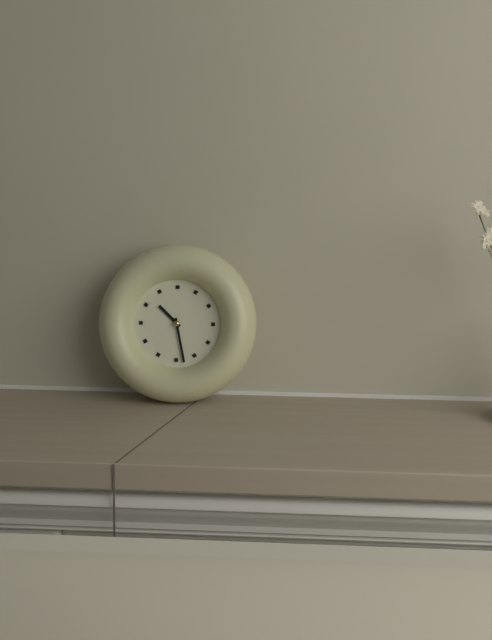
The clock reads 10.28
